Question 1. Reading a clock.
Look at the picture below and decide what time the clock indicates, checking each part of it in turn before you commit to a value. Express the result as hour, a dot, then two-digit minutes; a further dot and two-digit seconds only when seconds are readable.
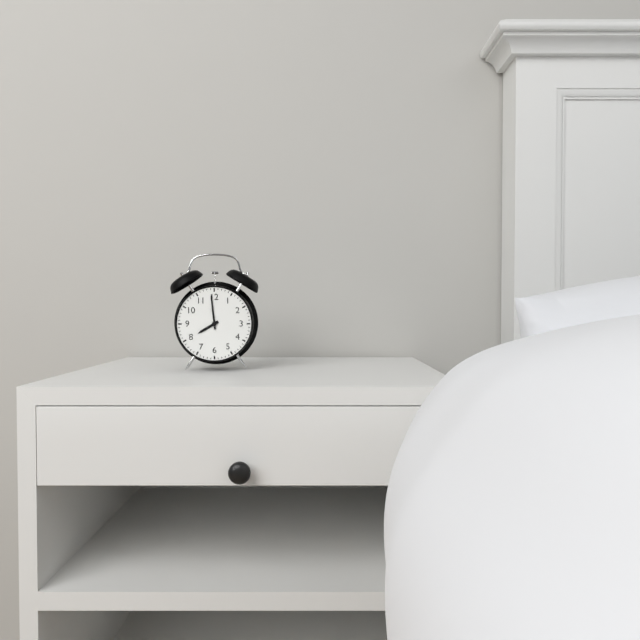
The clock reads 7.59
